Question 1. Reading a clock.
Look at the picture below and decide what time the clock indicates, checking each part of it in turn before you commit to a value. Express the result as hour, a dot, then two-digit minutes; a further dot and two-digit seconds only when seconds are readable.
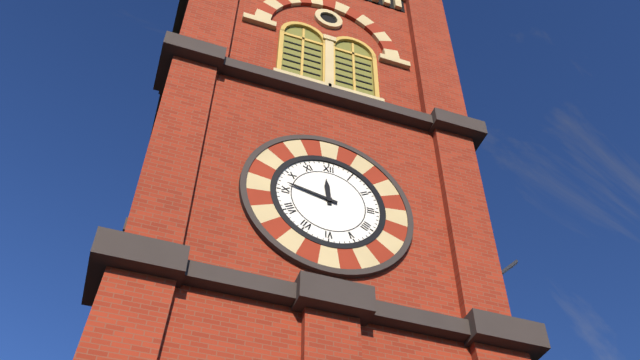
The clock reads 11.47
